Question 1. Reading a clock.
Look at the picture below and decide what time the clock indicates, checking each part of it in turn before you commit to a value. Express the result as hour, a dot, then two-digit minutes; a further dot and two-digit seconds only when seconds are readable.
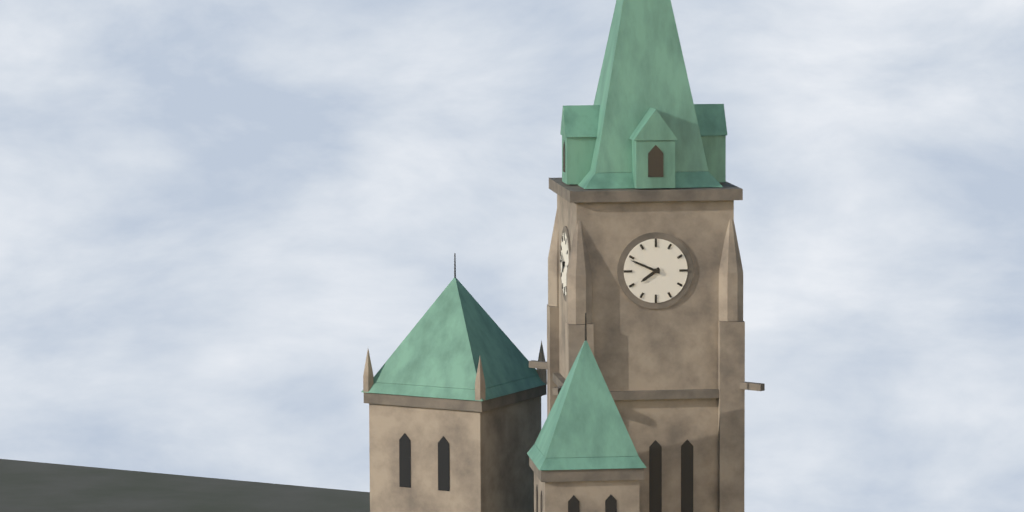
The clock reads 7.49
